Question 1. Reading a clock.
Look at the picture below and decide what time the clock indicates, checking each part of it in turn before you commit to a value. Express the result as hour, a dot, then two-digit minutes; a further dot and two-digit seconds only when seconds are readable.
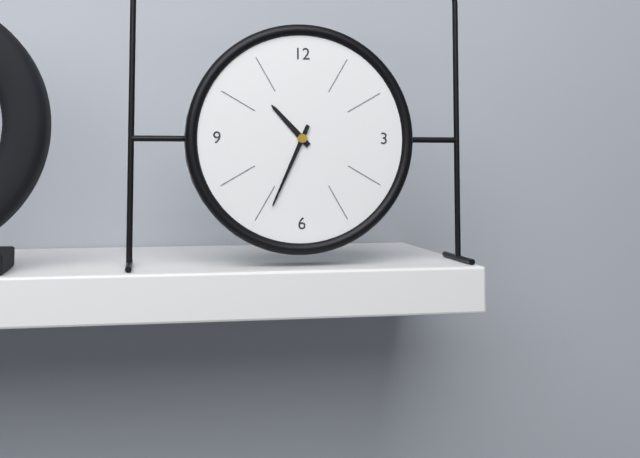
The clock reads 10.34
